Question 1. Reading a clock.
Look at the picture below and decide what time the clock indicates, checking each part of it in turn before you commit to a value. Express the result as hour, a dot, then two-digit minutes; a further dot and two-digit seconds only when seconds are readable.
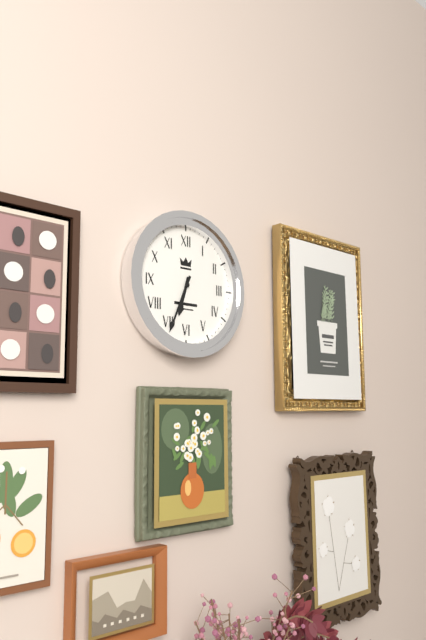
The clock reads 6.34
